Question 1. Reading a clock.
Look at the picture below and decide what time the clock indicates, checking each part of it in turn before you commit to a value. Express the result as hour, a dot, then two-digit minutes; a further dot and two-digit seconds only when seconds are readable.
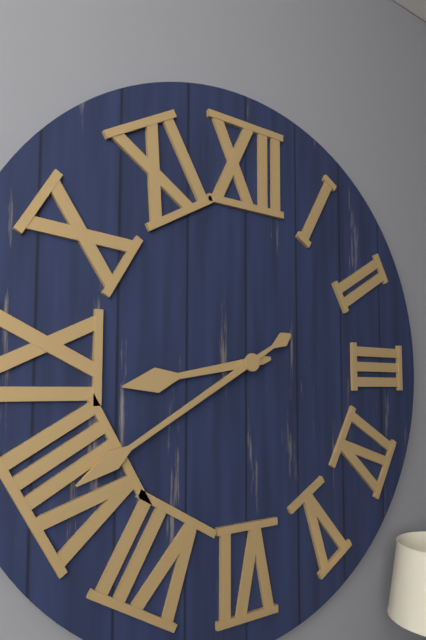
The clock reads 8.40
